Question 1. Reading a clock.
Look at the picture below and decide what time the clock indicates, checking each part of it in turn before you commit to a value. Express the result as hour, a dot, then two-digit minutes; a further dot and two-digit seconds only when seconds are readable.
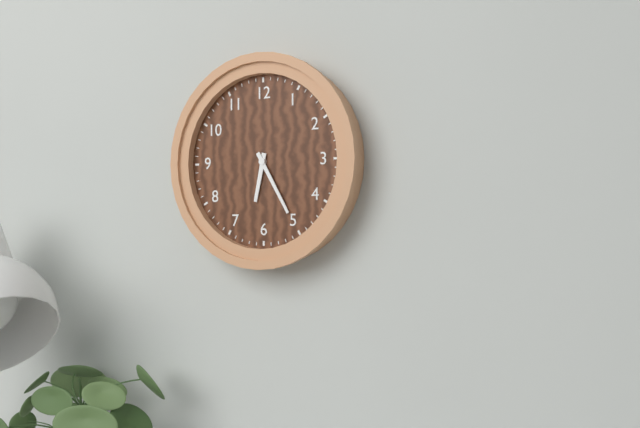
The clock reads 6.25
